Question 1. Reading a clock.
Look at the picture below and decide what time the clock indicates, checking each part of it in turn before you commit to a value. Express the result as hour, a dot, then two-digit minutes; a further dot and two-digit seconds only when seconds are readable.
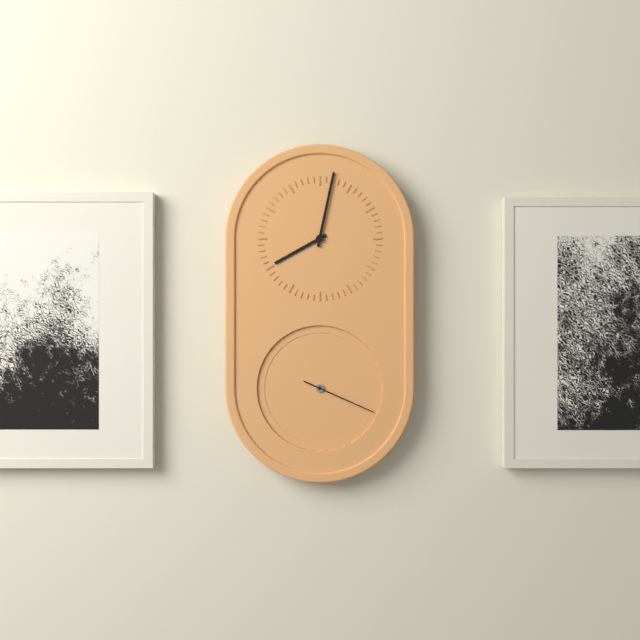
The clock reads 8.02.19
